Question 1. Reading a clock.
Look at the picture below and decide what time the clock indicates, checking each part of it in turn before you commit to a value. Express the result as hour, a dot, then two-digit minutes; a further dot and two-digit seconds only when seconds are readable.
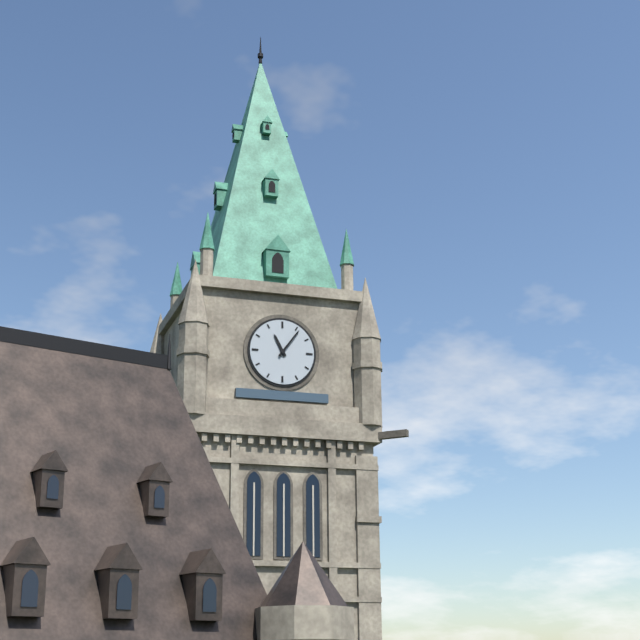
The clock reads 11.06
